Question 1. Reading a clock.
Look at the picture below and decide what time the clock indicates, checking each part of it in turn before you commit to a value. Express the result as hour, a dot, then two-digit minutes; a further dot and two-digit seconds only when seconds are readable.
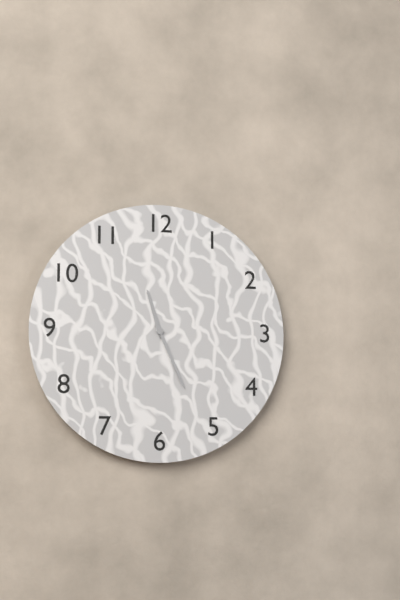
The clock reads 11.26
